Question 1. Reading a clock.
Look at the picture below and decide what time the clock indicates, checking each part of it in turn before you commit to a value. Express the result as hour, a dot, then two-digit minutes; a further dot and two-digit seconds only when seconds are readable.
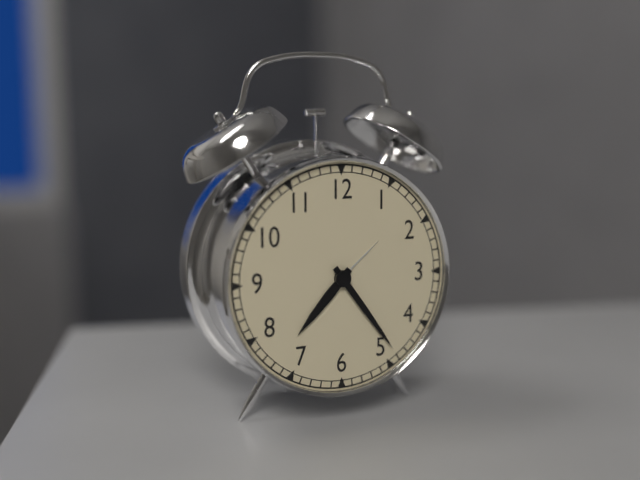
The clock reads 7.24
